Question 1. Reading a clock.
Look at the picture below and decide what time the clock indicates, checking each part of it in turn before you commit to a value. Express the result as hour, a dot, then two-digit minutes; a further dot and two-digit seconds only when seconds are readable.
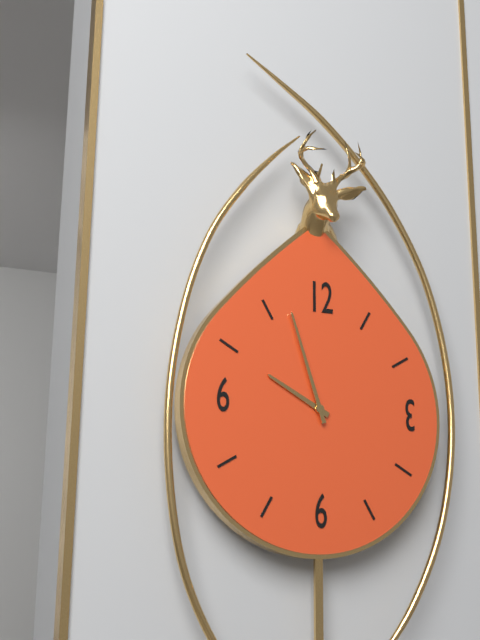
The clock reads 9.57
